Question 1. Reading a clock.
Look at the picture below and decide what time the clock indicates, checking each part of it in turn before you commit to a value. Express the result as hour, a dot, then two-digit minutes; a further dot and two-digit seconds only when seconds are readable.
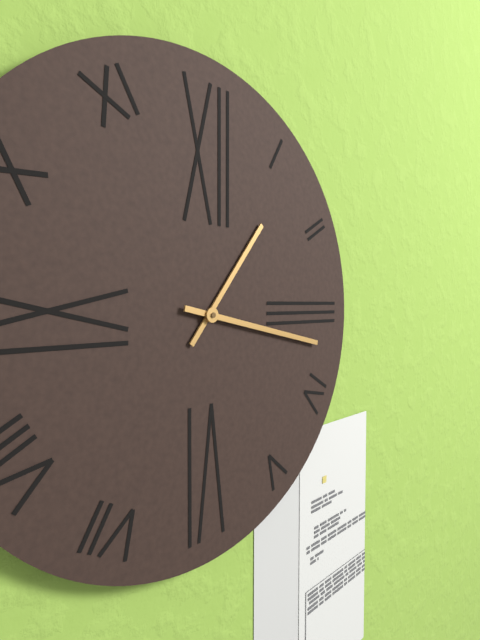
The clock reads 1.17
